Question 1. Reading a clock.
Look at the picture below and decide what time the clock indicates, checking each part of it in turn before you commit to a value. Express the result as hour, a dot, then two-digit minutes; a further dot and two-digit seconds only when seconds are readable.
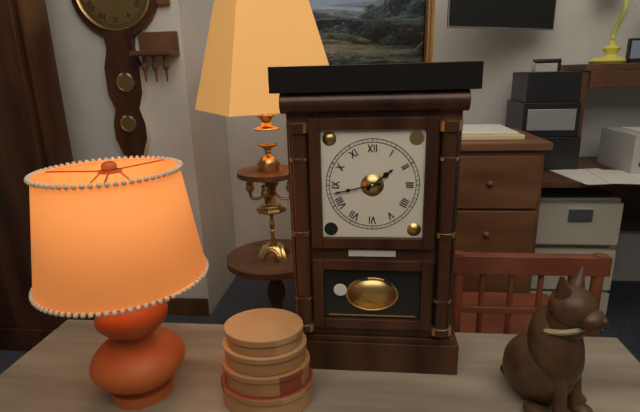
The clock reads 1.43
